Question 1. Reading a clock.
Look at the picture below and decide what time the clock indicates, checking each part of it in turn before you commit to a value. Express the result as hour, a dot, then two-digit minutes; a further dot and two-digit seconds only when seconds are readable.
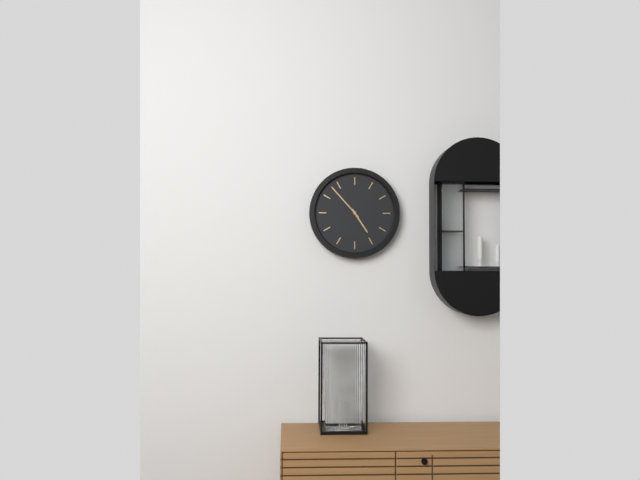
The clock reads 4.53
